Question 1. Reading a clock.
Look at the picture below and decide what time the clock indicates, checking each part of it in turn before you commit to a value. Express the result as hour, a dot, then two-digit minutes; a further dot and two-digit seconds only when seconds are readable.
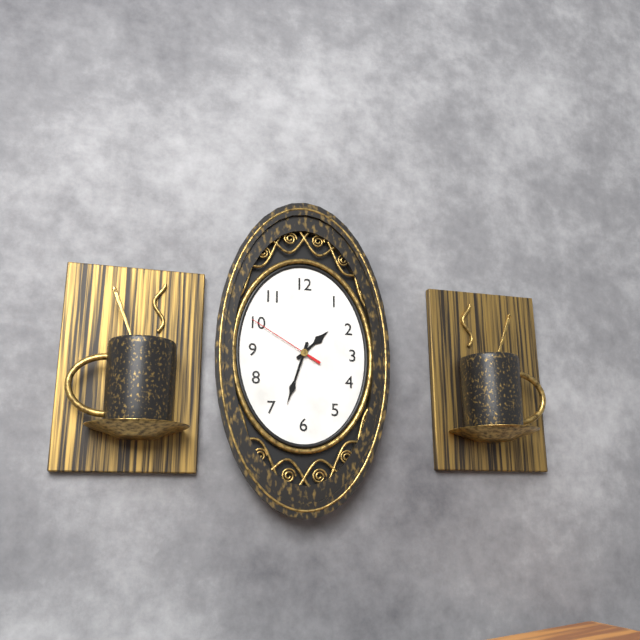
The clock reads 1.33.50
